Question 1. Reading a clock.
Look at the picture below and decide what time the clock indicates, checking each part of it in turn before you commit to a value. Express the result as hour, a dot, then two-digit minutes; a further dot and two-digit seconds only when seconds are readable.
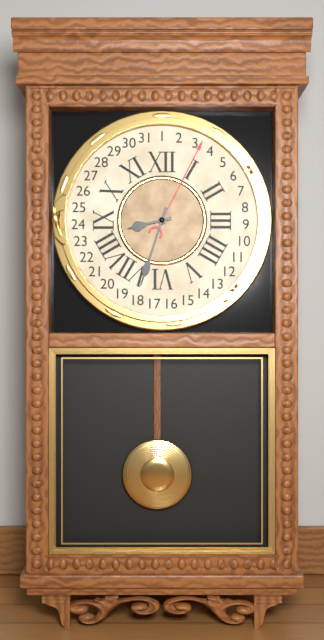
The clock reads 8.33
